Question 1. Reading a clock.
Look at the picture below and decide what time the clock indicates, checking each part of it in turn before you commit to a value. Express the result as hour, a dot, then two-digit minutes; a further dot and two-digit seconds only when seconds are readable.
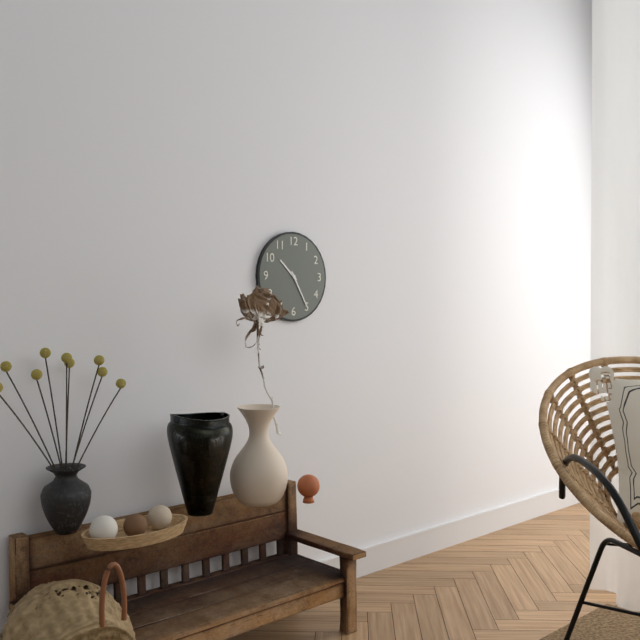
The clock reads 10.25
